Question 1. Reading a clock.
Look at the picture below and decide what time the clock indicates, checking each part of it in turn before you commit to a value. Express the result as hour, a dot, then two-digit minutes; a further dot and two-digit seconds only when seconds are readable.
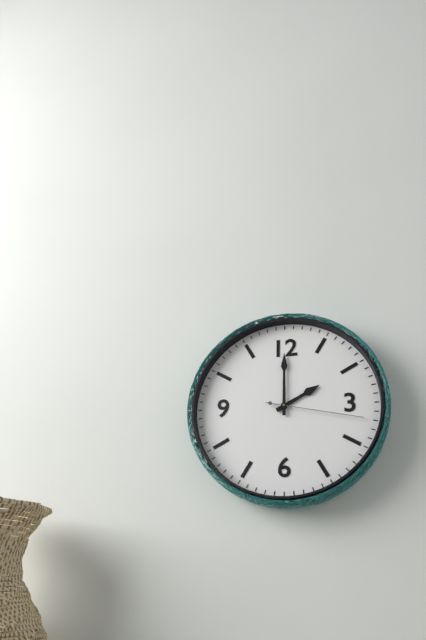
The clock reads 2.00.17
